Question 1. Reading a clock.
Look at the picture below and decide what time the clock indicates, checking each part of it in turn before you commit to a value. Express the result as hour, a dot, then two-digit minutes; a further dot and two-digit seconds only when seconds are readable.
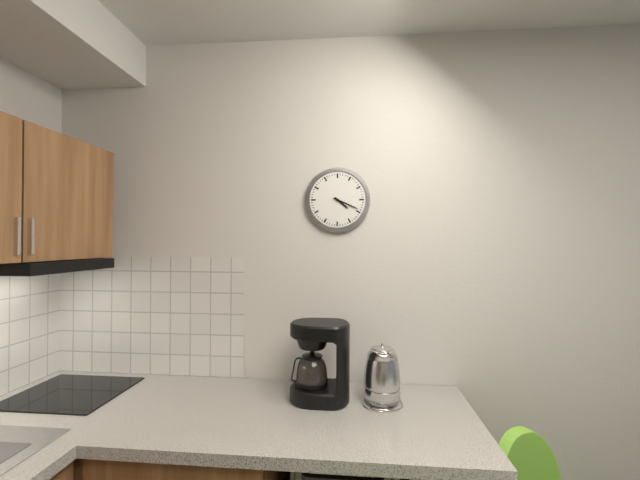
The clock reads 4.19
